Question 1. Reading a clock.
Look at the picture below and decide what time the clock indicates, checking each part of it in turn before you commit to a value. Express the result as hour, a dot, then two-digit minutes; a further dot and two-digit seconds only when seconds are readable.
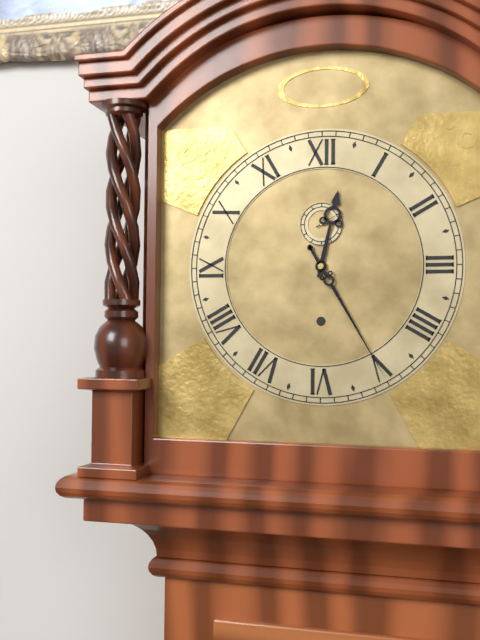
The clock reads 12.25
